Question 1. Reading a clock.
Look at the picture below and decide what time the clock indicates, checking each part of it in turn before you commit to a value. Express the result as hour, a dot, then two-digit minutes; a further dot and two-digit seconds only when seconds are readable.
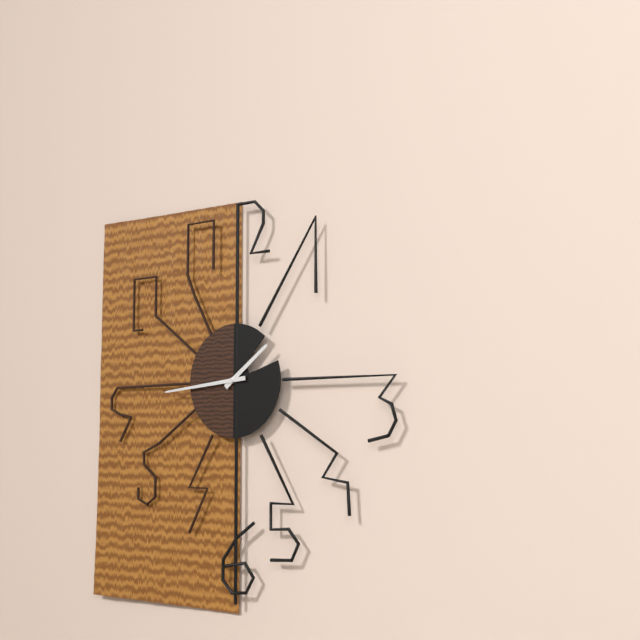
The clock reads 1.44
